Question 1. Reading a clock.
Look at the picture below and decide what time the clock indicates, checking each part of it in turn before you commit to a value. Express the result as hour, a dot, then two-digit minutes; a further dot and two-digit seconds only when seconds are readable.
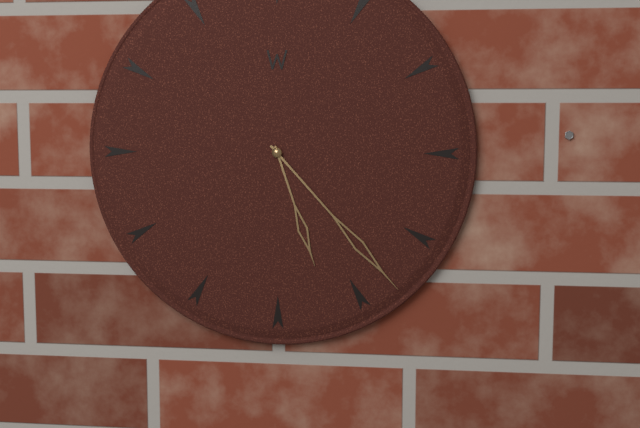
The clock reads 5.23
